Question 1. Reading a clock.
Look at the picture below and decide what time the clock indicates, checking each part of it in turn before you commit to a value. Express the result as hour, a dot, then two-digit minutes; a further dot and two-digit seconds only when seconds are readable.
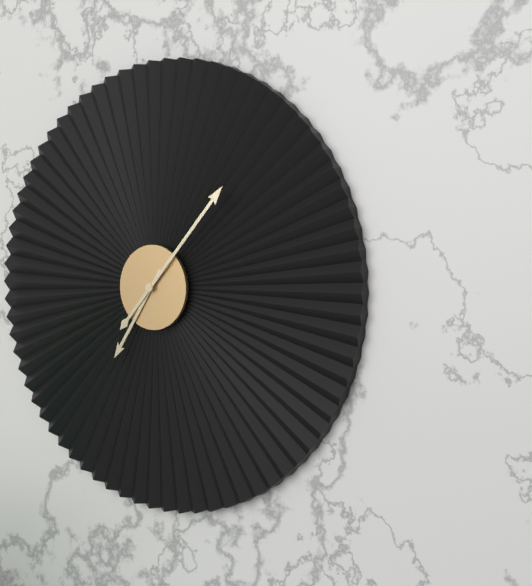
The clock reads 7.07
